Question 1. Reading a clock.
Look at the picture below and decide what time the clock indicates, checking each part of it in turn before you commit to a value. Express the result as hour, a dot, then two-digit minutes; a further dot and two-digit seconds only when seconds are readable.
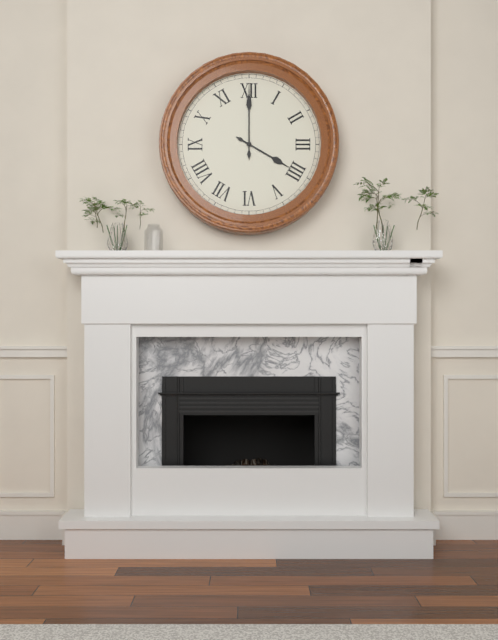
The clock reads 4.00
